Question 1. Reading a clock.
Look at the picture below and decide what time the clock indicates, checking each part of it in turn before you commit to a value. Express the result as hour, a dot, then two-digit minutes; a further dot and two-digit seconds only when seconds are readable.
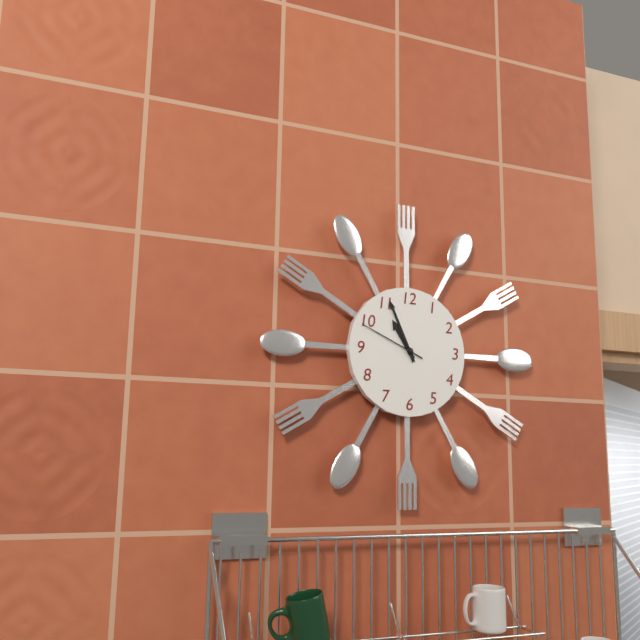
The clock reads 10.56.49
